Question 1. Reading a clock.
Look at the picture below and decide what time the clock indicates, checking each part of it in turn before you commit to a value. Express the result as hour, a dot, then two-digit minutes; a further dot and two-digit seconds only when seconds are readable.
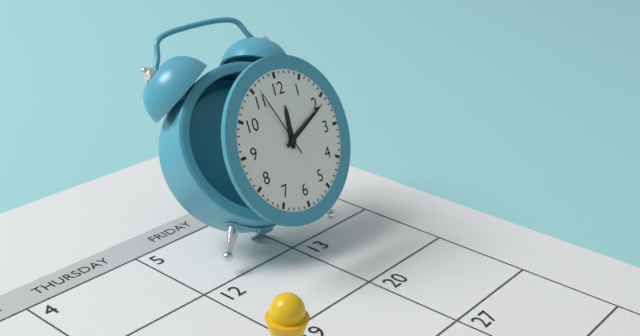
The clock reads 12.11.56
